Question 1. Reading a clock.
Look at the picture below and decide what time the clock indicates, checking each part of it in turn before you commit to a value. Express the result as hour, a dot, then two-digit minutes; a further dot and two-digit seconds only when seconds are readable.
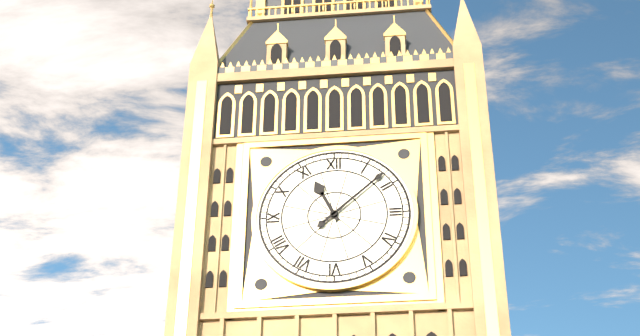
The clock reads 11.08
